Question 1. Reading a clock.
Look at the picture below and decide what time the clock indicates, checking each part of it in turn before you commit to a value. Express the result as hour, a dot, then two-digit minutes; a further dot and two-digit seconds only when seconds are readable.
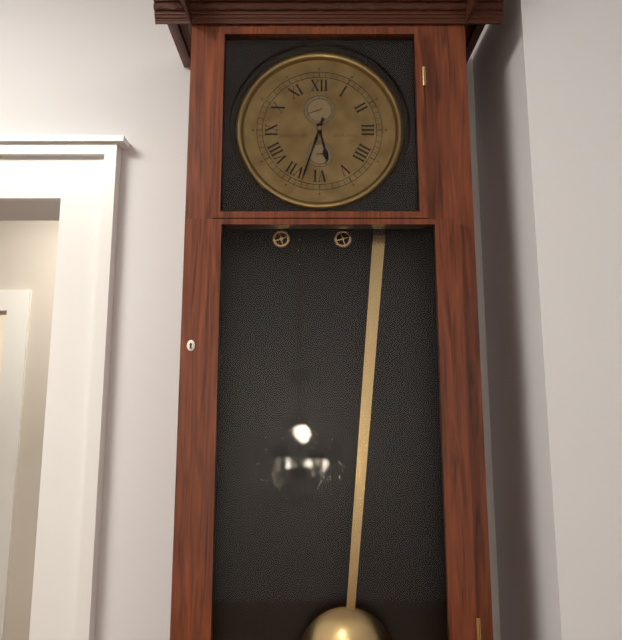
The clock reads 5.33
